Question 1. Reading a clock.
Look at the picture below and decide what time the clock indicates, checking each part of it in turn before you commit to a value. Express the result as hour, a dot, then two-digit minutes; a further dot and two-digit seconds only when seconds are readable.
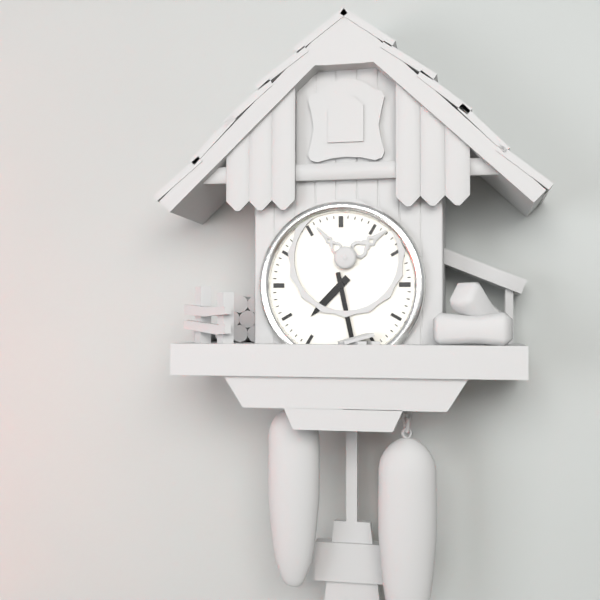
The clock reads 7.28
